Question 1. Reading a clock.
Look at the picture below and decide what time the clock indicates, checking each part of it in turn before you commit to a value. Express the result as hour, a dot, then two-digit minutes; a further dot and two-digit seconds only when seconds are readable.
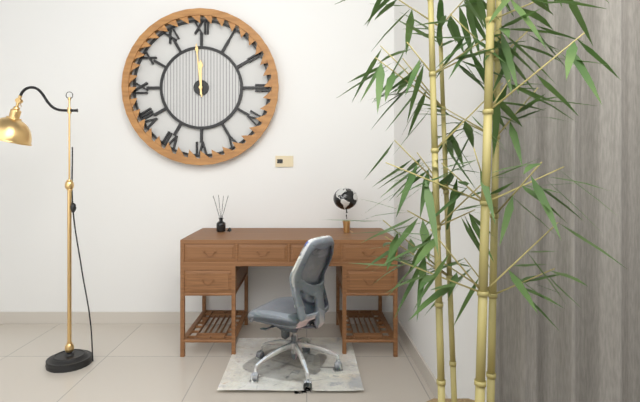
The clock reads 11.59
